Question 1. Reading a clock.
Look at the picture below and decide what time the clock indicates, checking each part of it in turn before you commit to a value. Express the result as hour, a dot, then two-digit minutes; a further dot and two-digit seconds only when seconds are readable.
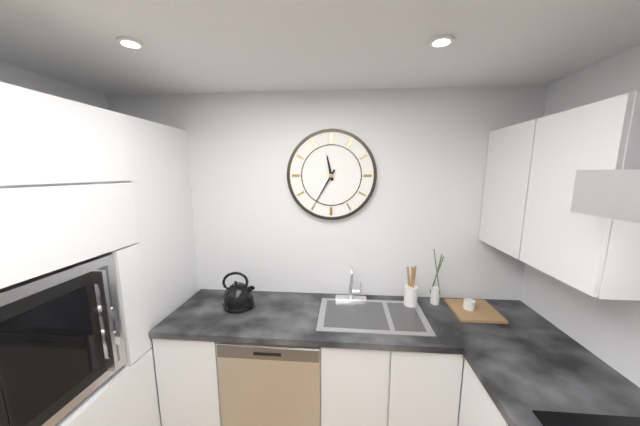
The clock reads 11.35
